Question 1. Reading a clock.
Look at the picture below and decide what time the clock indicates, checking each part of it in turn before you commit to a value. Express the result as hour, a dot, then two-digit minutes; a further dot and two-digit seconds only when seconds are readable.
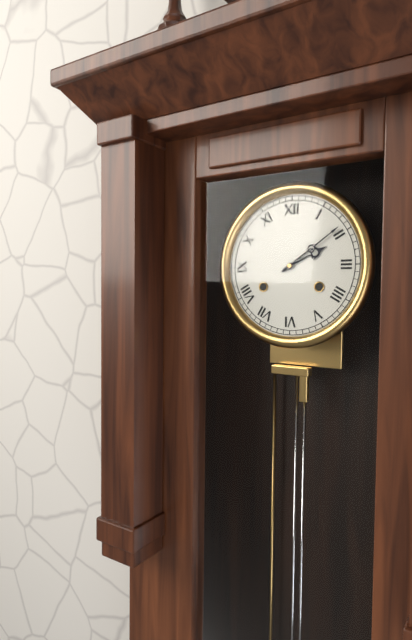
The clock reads 2.09
